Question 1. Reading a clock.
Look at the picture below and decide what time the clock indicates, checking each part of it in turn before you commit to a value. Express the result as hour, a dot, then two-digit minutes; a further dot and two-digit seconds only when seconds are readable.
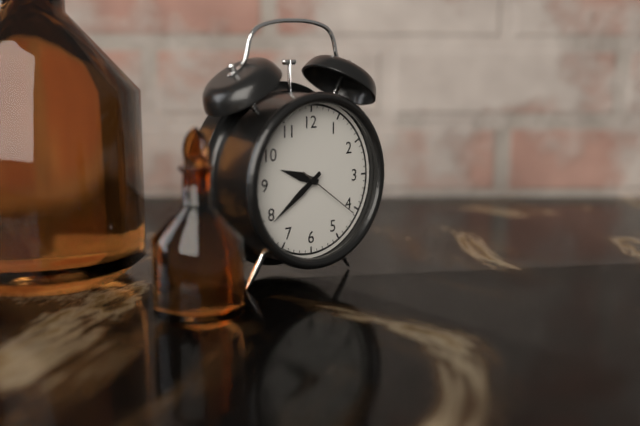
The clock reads 9.39.21
